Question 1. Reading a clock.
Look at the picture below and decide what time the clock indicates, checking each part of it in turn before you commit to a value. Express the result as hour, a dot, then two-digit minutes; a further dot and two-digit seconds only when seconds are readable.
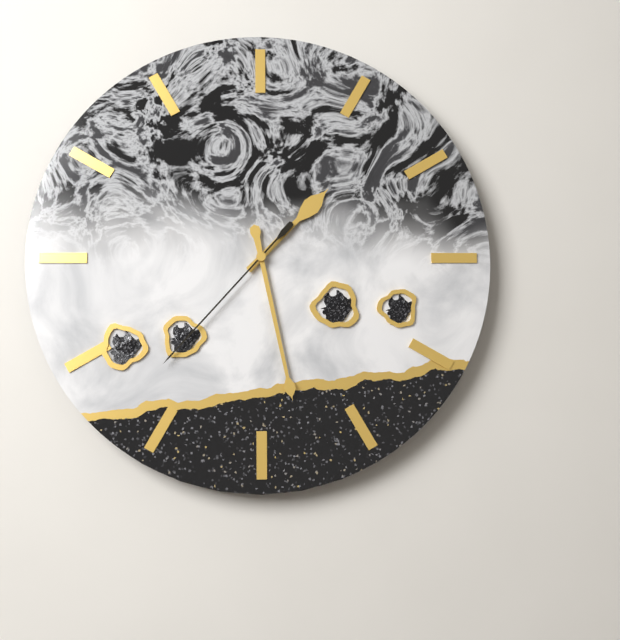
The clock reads 1.28.37
